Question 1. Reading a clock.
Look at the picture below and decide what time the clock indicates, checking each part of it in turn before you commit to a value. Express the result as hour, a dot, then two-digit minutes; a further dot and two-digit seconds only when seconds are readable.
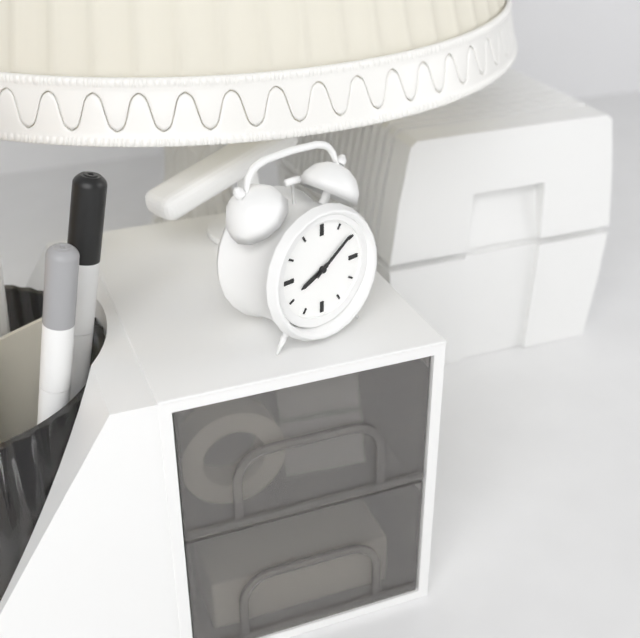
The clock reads 8.09
